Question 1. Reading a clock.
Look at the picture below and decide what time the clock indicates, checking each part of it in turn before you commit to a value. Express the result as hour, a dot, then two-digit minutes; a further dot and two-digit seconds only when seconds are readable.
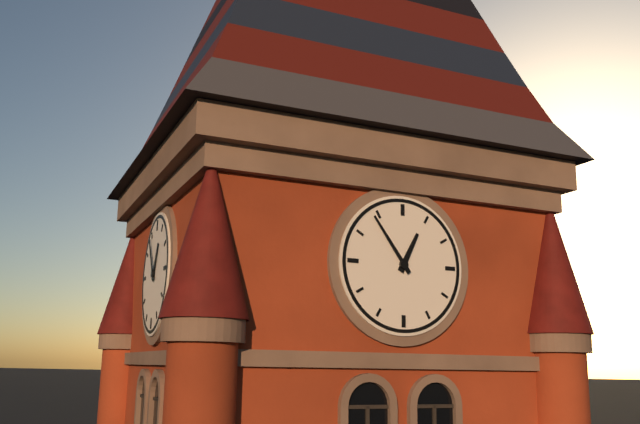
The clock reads 12.54
